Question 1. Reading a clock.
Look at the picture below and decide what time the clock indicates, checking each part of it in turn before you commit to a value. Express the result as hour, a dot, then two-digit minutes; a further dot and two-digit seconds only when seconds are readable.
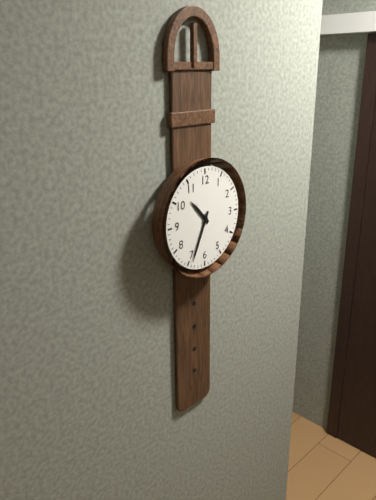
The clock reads 10.34
